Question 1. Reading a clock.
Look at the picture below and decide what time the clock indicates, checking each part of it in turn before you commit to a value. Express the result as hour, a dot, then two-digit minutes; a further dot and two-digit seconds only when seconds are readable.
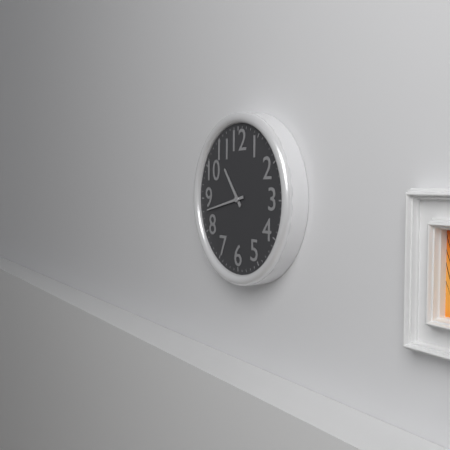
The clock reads 10.43
